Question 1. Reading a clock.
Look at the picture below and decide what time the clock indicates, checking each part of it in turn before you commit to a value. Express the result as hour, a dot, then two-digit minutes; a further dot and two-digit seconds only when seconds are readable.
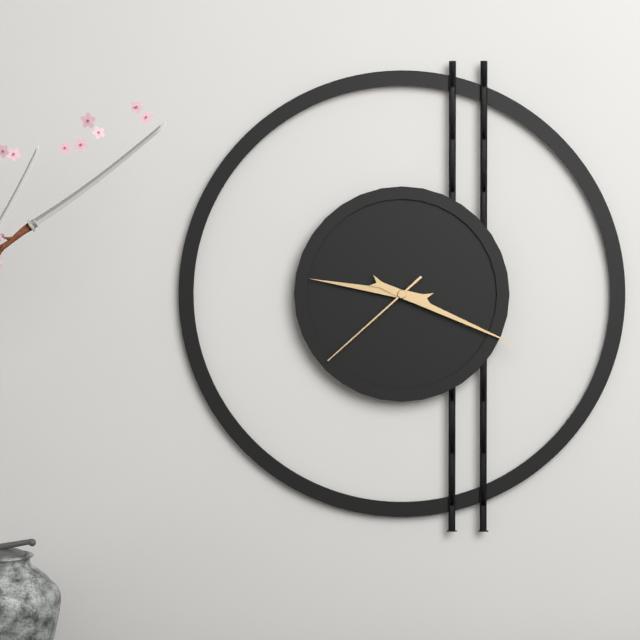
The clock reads 9.19.38
